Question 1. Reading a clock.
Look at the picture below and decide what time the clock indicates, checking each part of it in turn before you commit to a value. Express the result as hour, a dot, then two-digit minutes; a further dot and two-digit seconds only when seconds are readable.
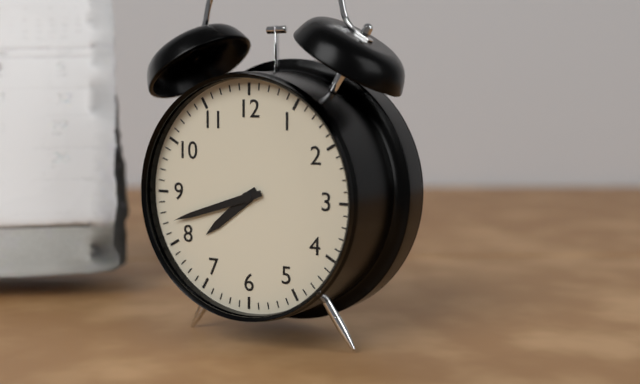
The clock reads 7.42
